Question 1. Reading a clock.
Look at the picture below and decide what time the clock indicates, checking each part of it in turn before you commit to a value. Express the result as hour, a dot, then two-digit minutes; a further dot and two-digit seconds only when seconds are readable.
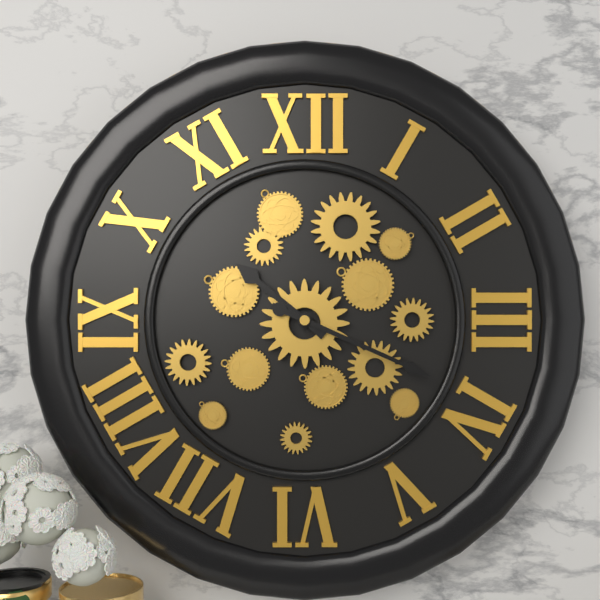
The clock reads 10.19
